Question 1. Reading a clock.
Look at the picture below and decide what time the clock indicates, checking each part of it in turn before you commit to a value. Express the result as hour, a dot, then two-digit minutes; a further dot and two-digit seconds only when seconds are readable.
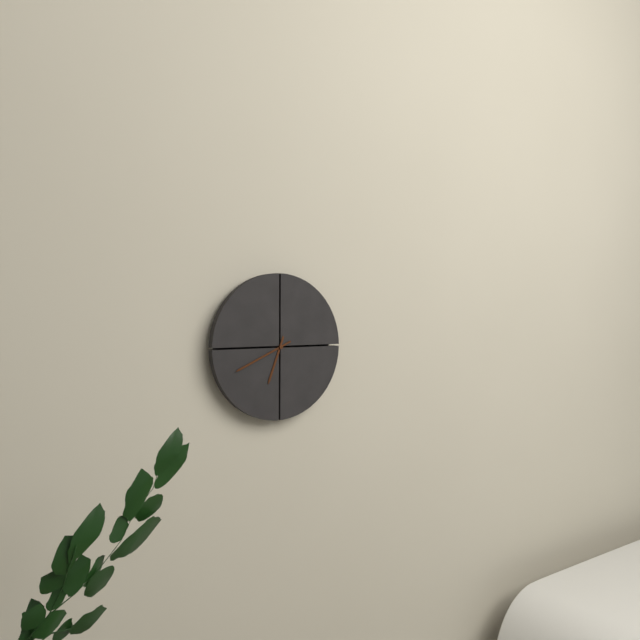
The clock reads 6.41
